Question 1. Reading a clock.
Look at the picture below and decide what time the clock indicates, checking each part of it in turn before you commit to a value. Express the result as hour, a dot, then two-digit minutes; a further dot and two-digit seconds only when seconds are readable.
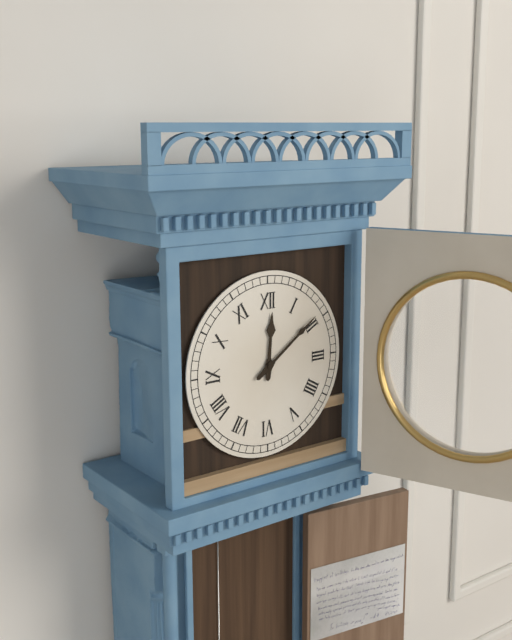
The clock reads 12.09
